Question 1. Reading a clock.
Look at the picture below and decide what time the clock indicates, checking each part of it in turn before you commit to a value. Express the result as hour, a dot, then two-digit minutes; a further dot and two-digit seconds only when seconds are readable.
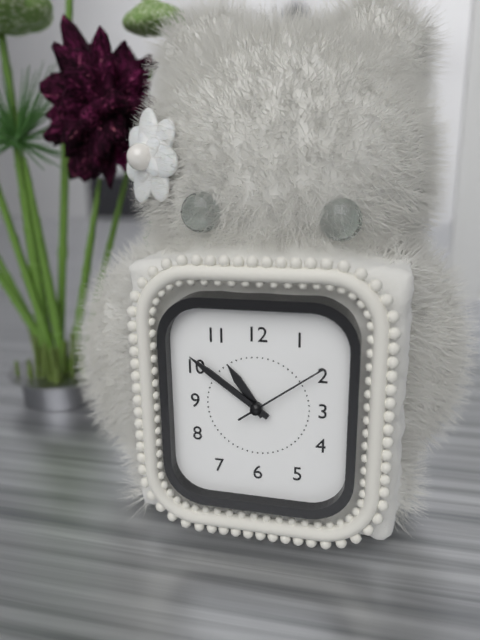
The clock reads 10.51.09
